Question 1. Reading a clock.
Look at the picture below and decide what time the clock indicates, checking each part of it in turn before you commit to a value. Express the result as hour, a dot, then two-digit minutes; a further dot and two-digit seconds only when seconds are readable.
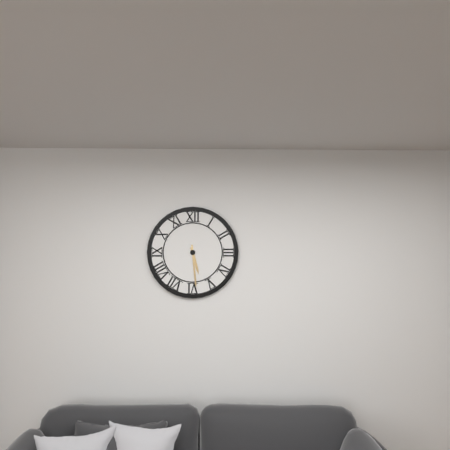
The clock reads 5.29
